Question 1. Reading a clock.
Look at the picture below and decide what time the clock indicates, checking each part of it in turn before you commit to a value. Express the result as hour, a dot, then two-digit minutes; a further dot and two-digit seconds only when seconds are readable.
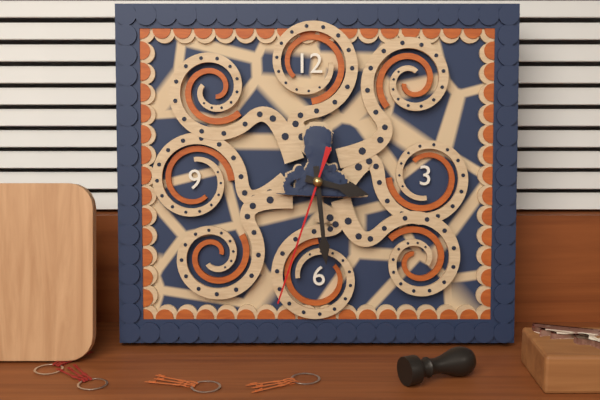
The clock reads 3.29.33
